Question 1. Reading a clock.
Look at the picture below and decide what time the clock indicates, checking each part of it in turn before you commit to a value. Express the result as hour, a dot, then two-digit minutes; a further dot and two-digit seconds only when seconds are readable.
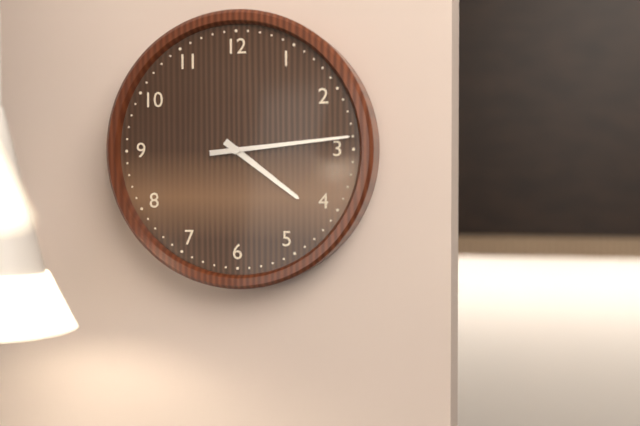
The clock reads 4.14
